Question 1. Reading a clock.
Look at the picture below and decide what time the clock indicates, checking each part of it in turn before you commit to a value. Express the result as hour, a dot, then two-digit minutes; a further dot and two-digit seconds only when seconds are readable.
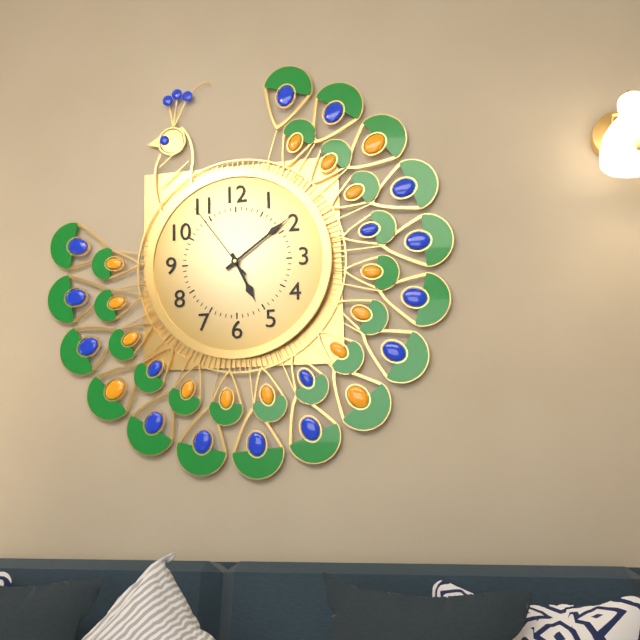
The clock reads 5.09.54
